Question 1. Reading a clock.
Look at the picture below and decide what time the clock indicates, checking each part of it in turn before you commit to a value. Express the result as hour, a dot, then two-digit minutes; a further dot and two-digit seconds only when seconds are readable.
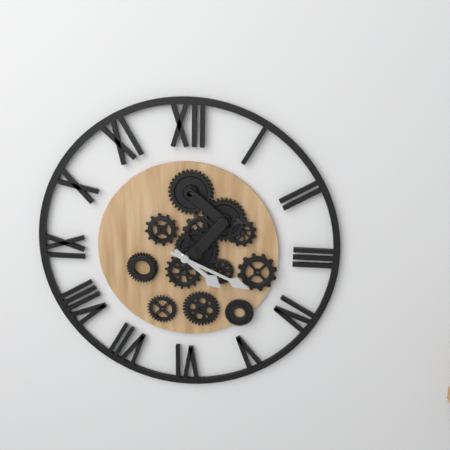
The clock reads 4.19
